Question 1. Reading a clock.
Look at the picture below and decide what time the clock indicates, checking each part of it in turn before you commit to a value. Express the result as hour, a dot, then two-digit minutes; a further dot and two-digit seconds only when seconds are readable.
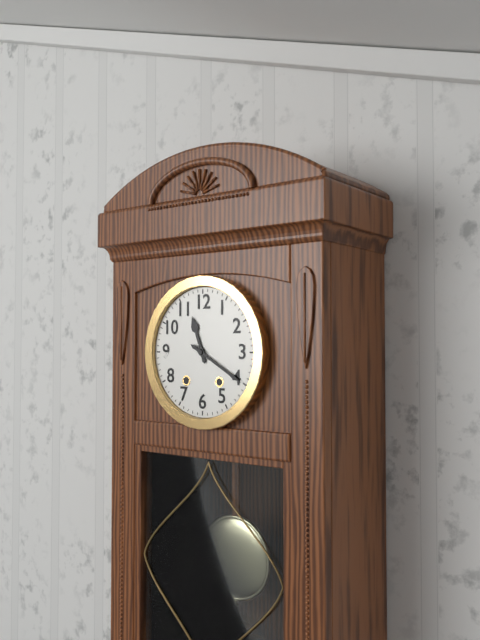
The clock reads 11.20
